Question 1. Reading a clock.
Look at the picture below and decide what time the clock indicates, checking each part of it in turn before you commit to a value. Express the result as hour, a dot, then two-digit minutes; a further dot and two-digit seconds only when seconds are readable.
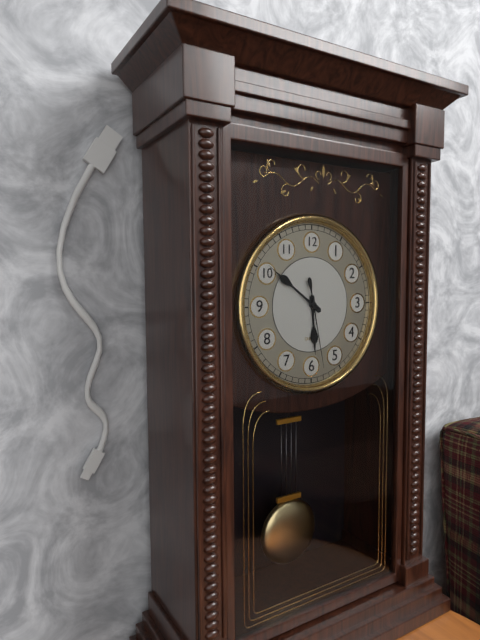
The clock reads 5.51.28
